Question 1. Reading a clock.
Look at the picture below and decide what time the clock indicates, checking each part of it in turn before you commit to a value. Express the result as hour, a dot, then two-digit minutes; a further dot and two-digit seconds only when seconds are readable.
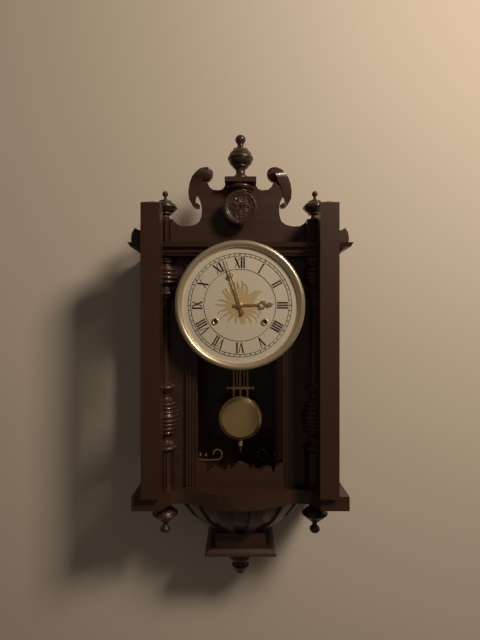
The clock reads 2.57
